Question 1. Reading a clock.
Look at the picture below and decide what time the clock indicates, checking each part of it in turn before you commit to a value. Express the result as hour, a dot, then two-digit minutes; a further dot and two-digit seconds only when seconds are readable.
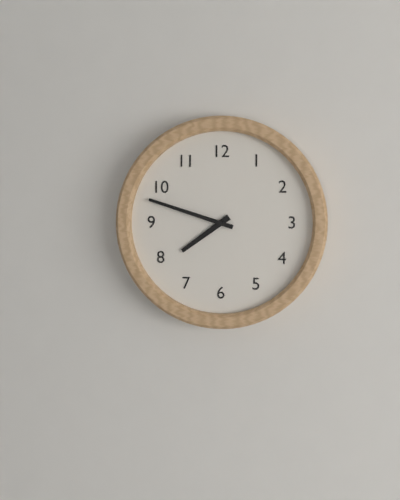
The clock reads 7.48
